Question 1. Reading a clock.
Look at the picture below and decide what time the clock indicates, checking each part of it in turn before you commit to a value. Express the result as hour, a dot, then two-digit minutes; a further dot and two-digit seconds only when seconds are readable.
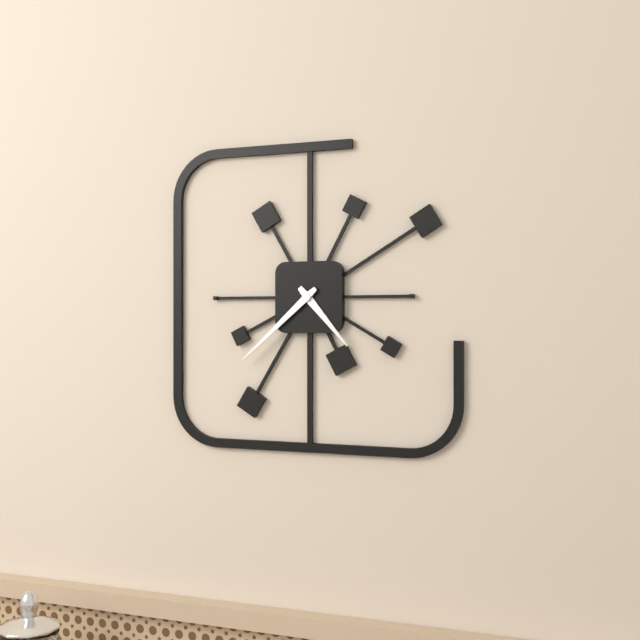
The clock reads 4.38
